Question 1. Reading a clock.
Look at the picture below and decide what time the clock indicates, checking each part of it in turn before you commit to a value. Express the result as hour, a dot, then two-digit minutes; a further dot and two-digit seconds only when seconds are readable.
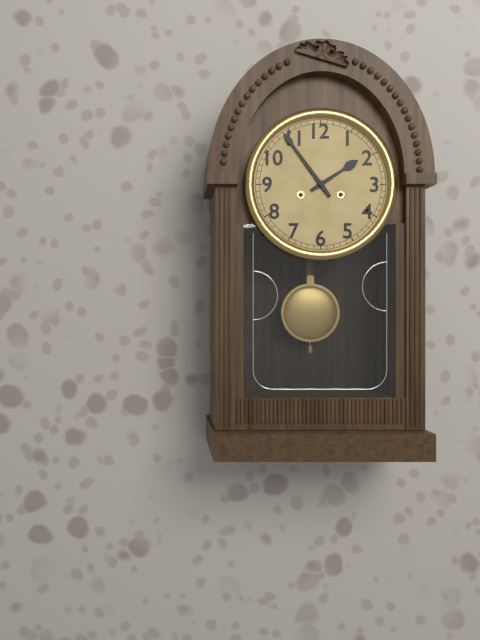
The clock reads 1.54
